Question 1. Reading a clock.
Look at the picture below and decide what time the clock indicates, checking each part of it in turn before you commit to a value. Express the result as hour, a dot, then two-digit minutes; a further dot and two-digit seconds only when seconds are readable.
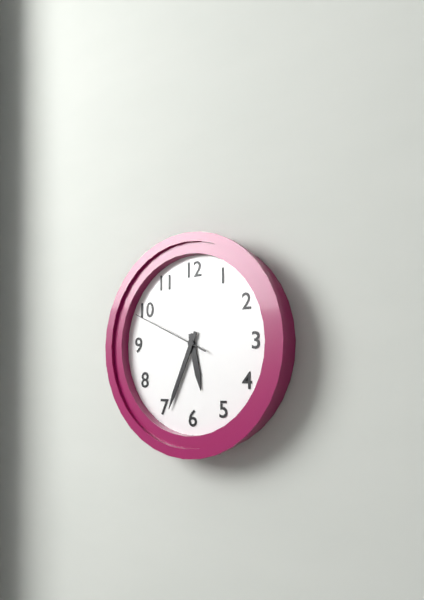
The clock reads 5.34.49
